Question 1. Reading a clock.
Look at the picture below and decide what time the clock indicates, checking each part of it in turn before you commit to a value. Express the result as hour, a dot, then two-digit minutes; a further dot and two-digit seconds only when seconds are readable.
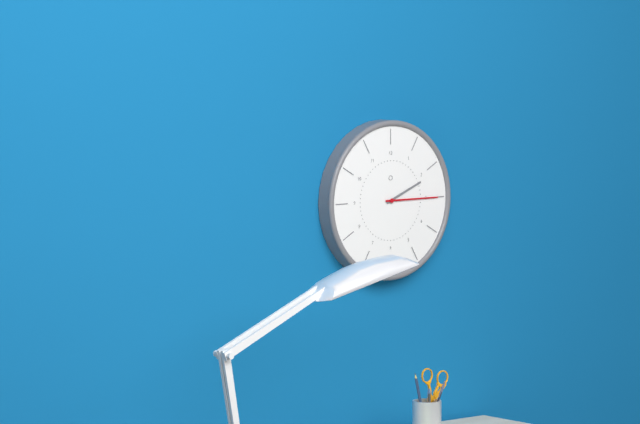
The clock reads 2.15
